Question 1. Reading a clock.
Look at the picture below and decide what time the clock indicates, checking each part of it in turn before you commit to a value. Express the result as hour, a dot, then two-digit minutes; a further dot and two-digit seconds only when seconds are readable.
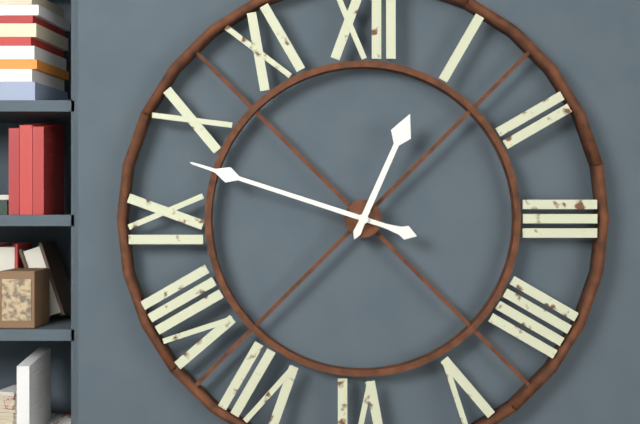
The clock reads 12.48
